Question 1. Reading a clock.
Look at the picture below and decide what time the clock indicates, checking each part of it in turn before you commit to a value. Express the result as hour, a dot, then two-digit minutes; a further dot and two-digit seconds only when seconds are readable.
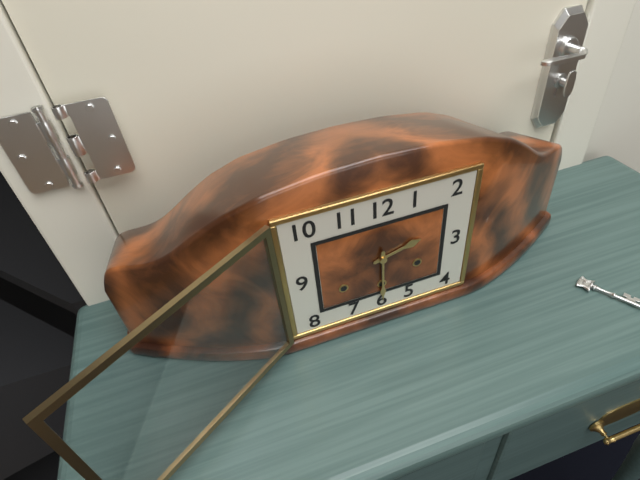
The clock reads 2.30
